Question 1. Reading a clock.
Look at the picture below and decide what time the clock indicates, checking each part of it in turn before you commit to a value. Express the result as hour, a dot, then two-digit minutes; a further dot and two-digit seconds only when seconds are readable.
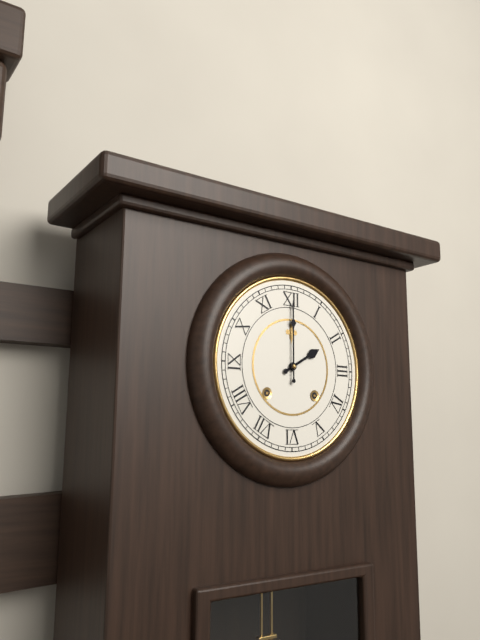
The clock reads 2.00
